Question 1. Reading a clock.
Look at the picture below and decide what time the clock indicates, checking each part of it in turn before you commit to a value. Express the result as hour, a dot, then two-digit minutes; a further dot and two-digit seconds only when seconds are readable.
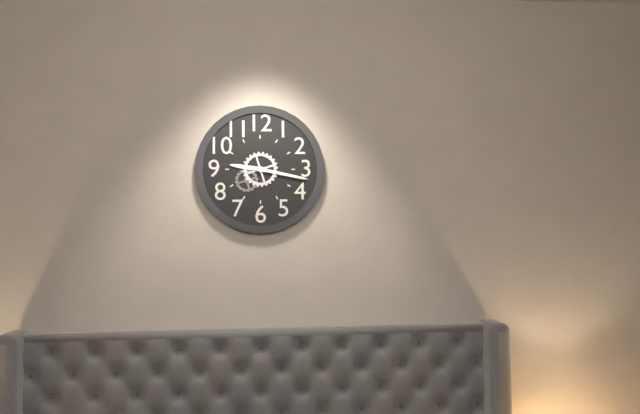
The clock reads 9.17
